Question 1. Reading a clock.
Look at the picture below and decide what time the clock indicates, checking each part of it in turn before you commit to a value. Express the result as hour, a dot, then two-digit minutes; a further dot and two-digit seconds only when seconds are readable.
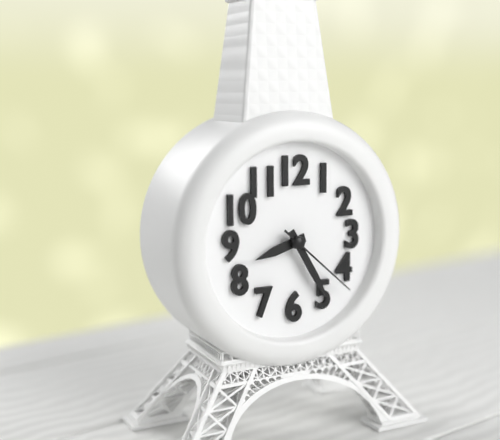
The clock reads 8.25.22
